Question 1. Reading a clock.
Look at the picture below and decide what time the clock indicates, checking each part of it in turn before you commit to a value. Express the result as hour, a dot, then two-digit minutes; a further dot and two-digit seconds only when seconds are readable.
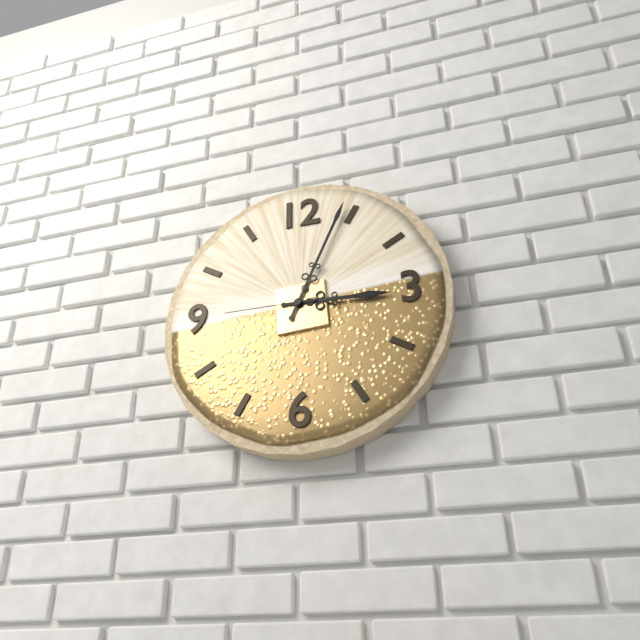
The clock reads 3.04.45
